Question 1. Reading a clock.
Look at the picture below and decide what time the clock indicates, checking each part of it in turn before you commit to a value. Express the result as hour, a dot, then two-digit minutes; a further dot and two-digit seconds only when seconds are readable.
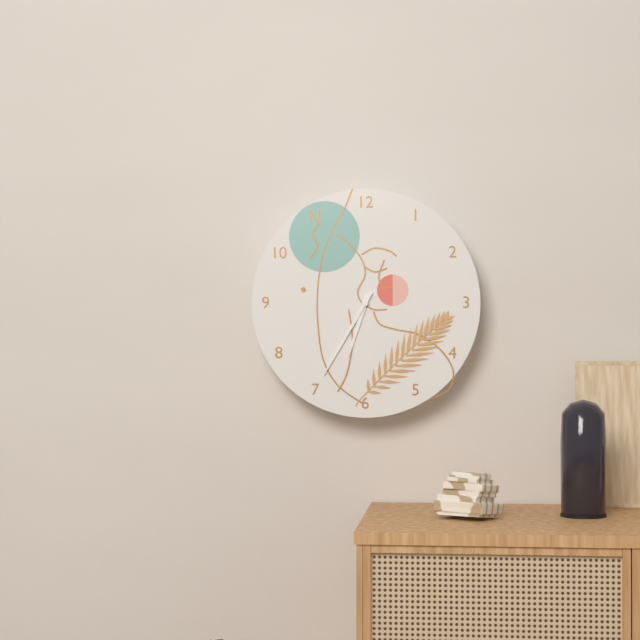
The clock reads 6.35
